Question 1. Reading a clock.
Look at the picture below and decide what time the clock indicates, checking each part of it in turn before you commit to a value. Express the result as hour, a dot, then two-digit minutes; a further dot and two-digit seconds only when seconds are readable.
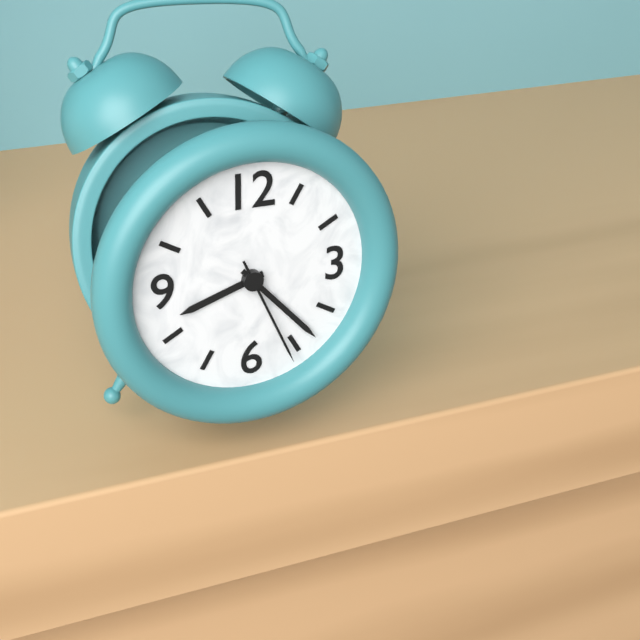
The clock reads 8.23.26
